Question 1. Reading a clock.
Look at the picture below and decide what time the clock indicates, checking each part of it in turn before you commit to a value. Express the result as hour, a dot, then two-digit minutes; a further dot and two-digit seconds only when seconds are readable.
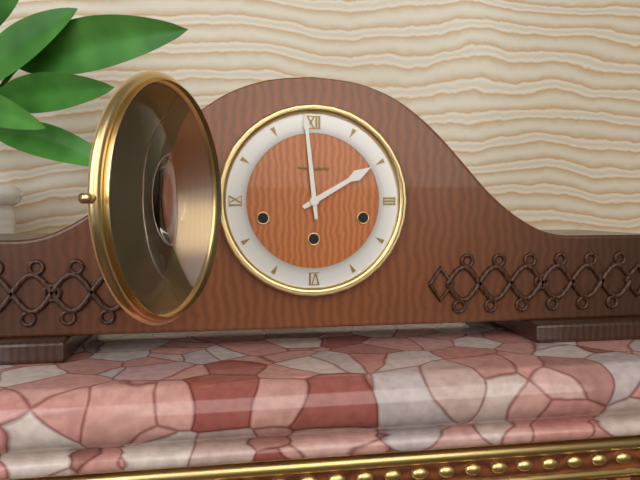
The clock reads 1.59
